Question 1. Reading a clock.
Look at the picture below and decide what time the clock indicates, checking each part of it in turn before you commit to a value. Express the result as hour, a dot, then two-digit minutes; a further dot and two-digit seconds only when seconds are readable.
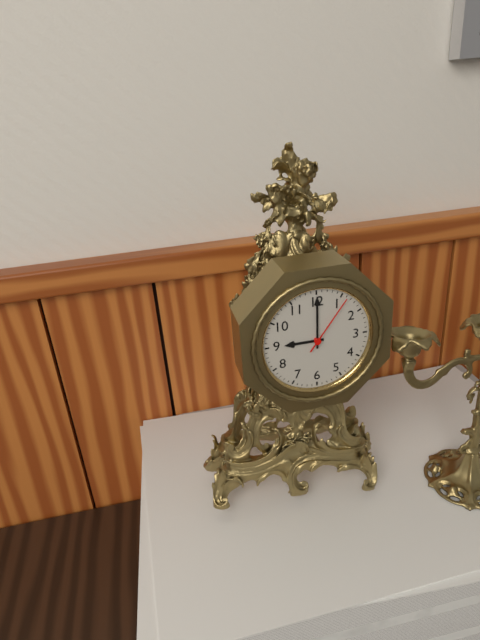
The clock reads 9.00.06
